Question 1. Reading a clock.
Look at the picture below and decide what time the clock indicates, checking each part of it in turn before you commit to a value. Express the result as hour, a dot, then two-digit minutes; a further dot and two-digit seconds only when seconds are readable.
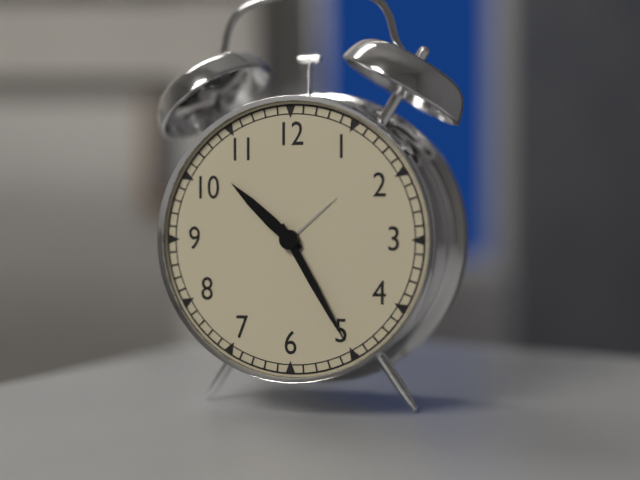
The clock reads 10.25
